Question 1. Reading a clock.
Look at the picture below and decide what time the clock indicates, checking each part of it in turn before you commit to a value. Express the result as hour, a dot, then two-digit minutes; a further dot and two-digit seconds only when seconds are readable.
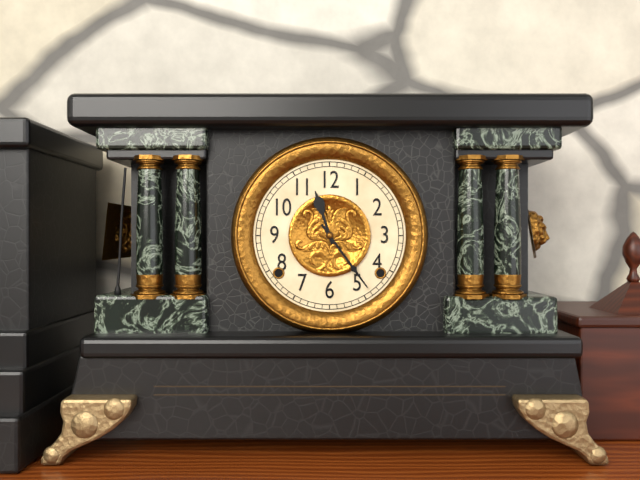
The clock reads 11.24
